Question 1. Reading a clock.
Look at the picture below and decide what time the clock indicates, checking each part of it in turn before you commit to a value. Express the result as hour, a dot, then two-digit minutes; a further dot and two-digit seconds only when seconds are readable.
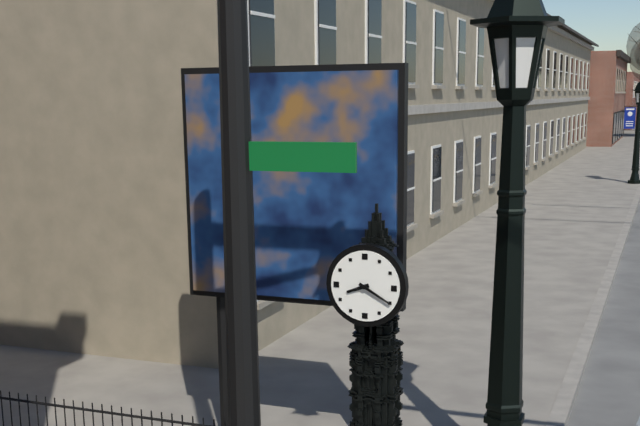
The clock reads 8.20
